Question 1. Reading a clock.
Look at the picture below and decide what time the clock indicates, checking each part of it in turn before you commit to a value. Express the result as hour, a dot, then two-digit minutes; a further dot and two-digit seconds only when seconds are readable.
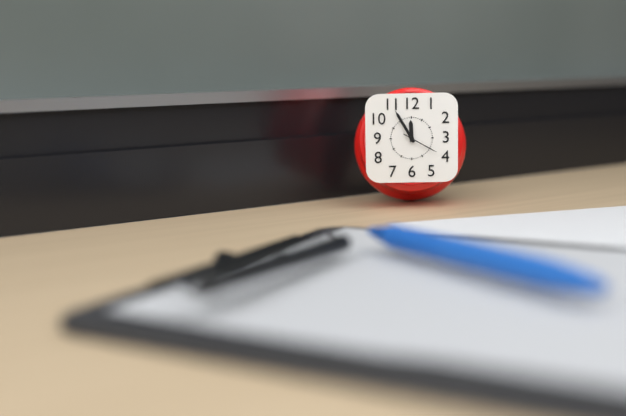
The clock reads 11.55
